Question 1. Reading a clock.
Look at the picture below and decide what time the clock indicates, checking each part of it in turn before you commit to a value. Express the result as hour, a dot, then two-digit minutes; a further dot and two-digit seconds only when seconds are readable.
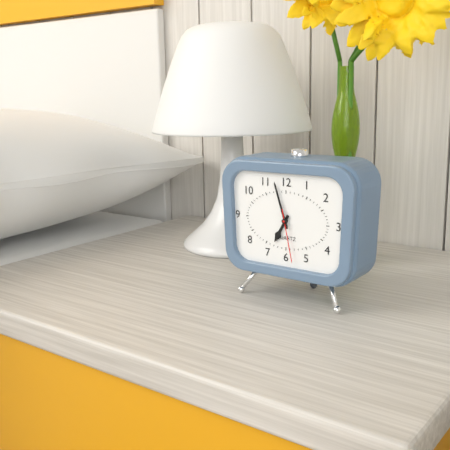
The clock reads 6.57.28
